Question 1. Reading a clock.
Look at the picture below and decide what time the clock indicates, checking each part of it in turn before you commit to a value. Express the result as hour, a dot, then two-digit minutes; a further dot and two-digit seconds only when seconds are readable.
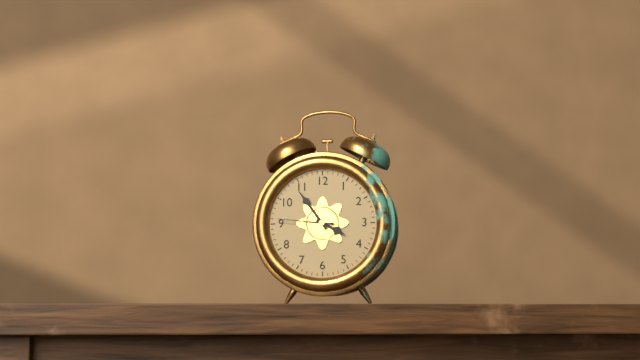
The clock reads 3.54.46
